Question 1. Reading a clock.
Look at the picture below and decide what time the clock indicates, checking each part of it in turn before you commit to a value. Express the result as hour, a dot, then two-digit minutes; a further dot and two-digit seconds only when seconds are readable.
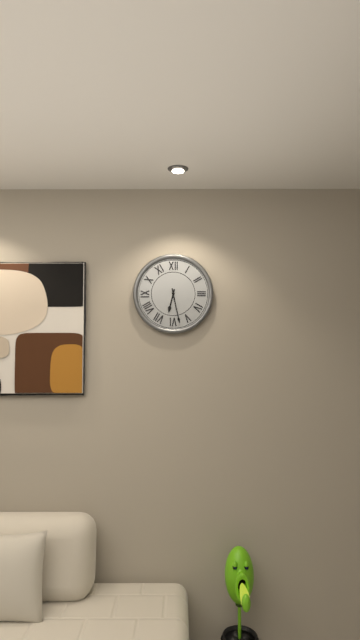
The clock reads 6.28
